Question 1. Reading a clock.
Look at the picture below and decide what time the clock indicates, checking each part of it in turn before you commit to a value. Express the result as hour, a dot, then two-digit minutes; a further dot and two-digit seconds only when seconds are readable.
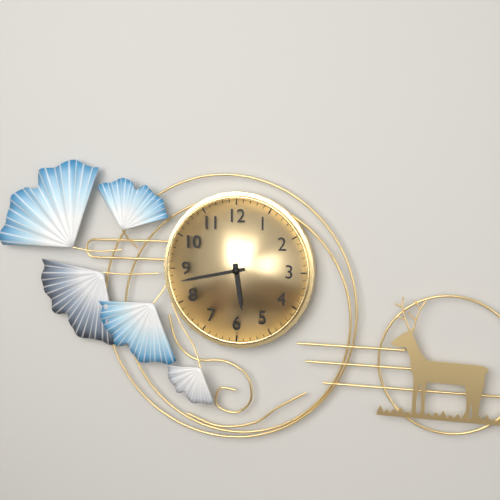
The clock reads 5.43
